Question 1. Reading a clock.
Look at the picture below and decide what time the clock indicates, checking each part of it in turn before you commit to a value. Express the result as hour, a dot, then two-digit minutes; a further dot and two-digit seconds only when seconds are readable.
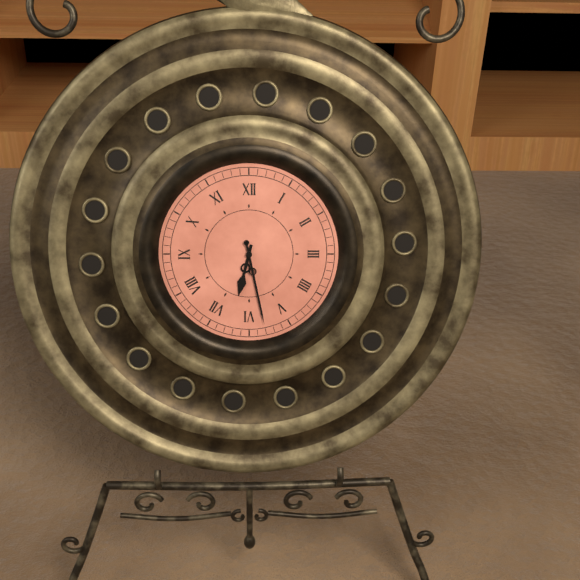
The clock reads 6.28
